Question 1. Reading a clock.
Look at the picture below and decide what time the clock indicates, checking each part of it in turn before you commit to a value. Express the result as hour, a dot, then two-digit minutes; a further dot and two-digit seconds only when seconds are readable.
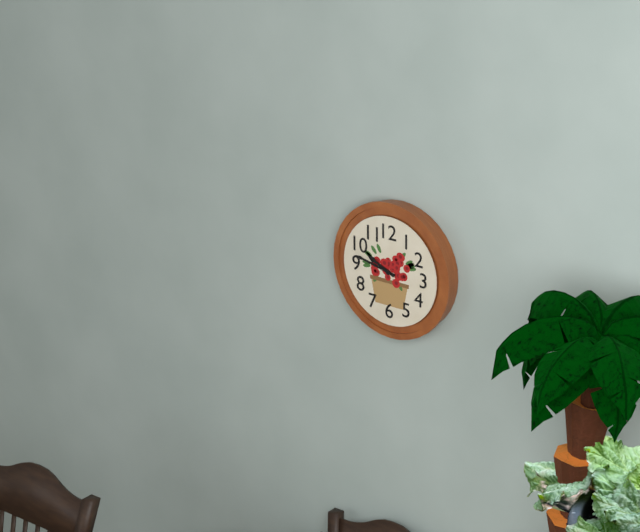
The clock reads 9.47
